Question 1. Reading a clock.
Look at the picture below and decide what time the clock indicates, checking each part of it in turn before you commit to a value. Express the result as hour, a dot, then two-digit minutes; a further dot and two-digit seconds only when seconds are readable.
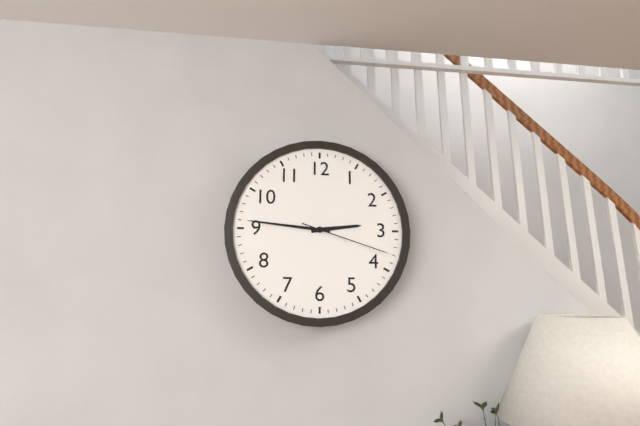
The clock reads 2.46.18
